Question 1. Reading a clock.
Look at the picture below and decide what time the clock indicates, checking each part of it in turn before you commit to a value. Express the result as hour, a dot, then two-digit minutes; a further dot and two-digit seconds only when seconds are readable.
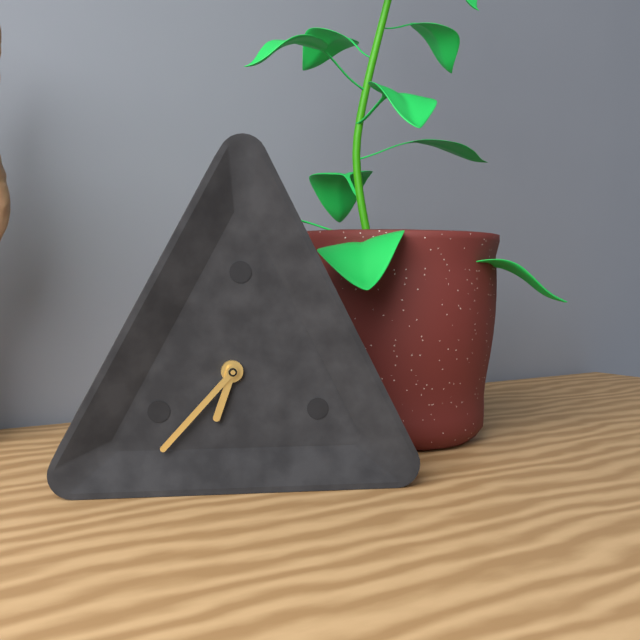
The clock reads 6.37
